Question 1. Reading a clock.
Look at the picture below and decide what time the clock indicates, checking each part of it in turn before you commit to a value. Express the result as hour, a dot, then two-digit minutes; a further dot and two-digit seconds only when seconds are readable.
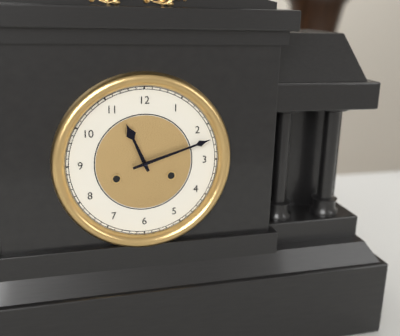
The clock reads 11.12
